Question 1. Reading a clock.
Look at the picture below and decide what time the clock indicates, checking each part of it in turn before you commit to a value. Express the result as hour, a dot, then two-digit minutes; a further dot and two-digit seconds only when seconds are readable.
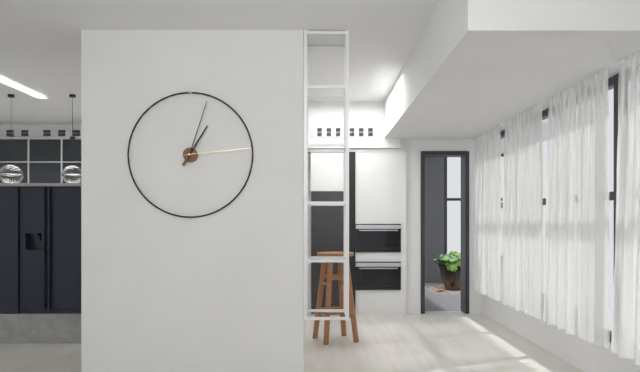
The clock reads 1.03.14
